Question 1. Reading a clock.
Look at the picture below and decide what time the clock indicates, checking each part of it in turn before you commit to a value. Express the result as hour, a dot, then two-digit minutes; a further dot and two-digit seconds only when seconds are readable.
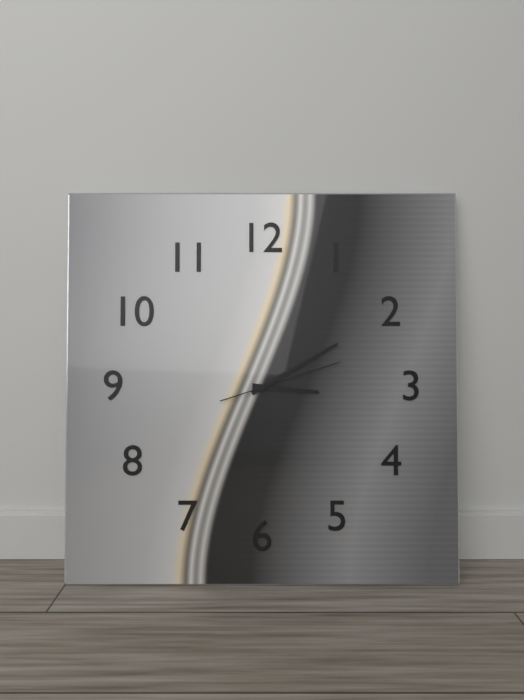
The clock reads 3.10.12
